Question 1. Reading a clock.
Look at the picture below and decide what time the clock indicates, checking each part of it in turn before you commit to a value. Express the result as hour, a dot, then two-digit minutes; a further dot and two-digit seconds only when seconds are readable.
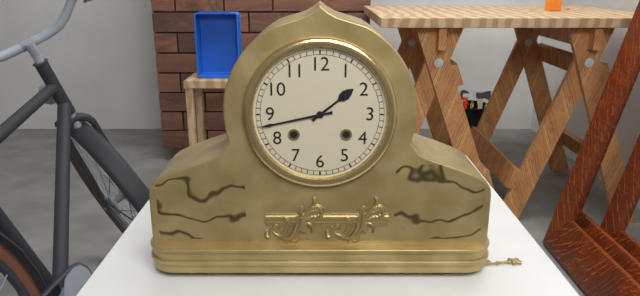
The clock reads 1.43
